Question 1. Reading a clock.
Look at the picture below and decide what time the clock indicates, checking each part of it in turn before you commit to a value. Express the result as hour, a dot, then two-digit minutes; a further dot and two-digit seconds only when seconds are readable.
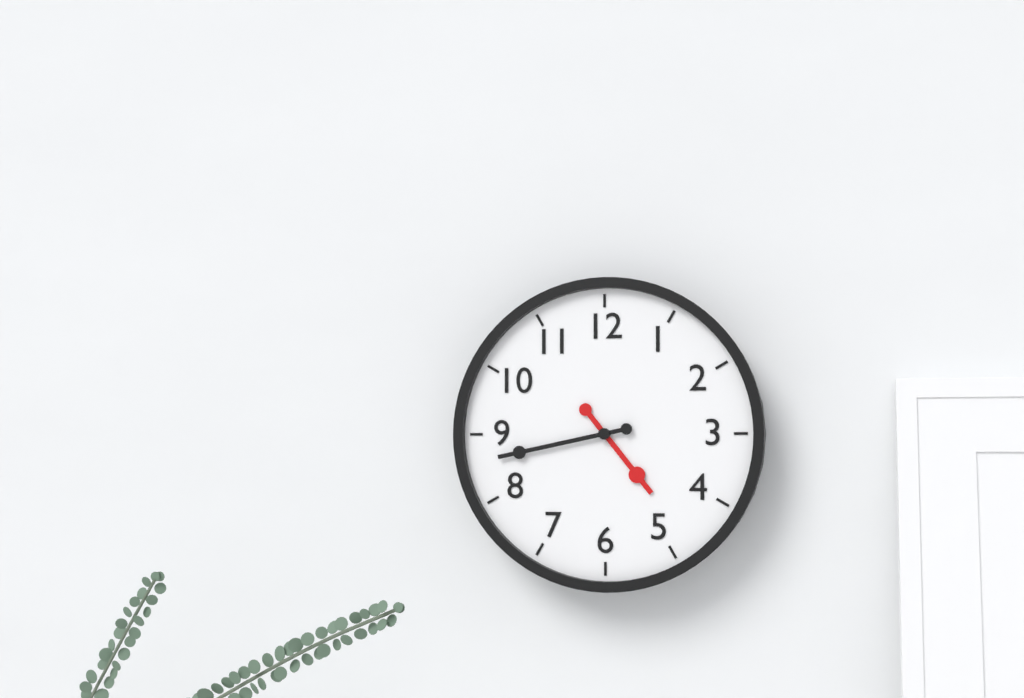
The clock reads 4.43
